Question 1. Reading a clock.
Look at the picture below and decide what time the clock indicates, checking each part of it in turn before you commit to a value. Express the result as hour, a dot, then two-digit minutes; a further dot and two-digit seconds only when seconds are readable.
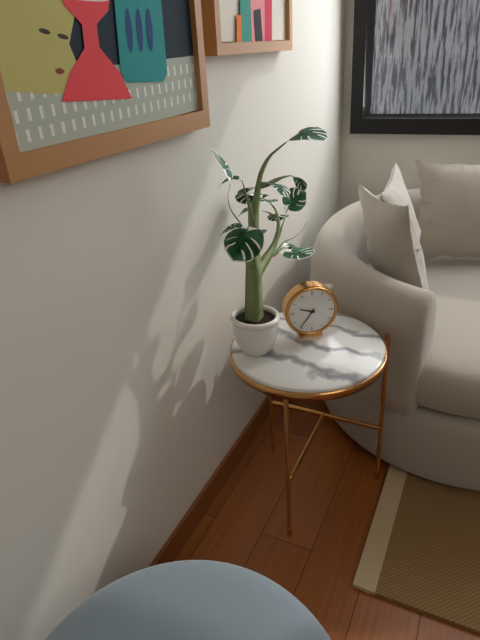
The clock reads 9.36
